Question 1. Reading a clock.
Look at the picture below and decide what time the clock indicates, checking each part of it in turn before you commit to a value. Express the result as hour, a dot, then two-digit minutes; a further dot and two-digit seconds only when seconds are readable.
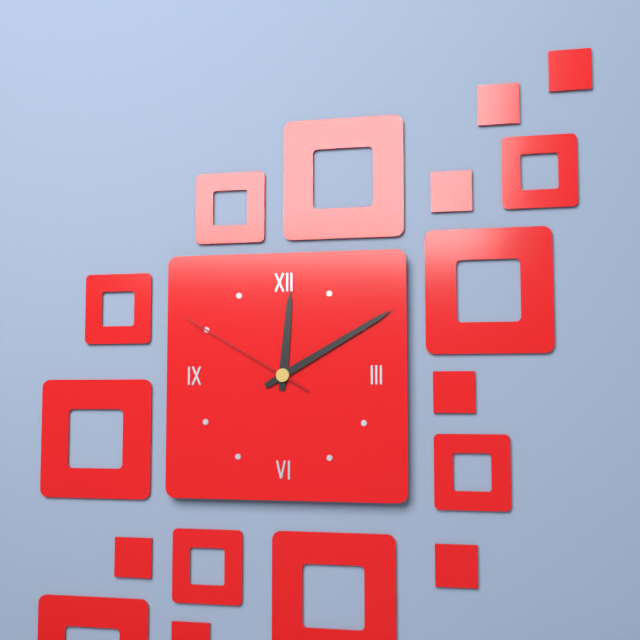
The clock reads 12.10.50
